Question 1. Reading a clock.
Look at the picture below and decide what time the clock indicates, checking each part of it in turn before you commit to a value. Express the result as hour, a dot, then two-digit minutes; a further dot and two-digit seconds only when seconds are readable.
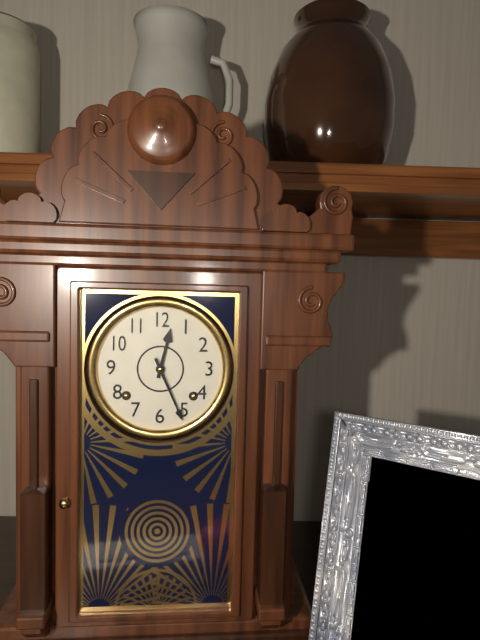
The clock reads 12.26
